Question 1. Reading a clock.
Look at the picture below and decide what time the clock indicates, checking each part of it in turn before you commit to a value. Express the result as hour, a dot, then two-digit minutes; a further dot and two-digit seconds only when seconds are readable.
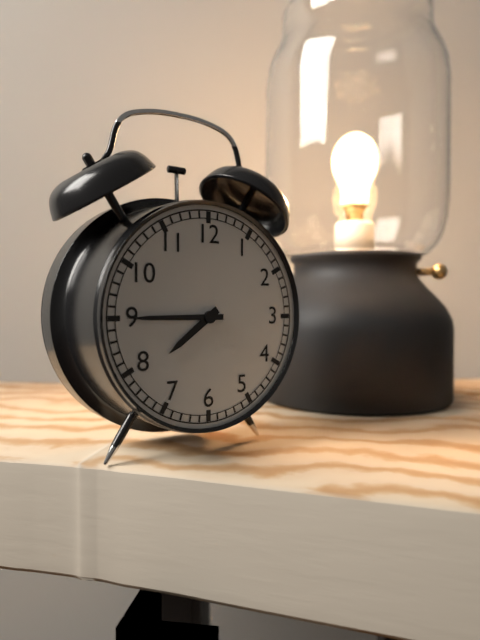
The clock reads 7.45
